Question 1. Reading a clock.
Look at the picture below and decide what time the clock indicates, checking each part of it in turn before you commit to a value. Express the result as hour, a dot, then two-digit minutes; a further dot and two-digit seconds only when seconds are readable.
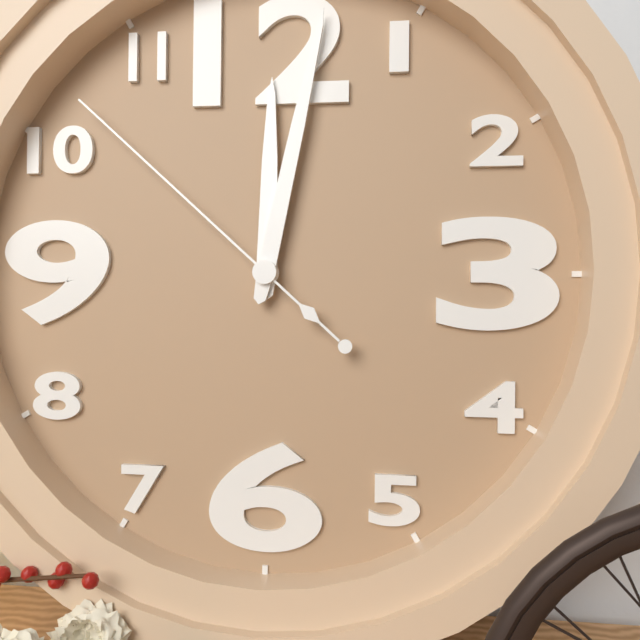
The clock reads 12.02.52
